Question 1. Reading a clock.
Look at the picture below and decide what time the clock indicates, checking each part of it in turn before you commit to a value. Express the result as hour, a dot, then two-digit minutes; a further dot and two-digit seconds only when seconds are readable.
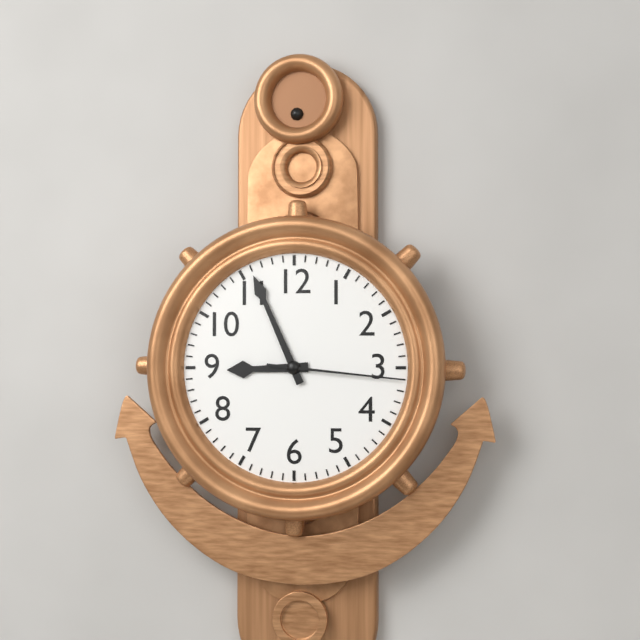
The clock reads 8.56.16
